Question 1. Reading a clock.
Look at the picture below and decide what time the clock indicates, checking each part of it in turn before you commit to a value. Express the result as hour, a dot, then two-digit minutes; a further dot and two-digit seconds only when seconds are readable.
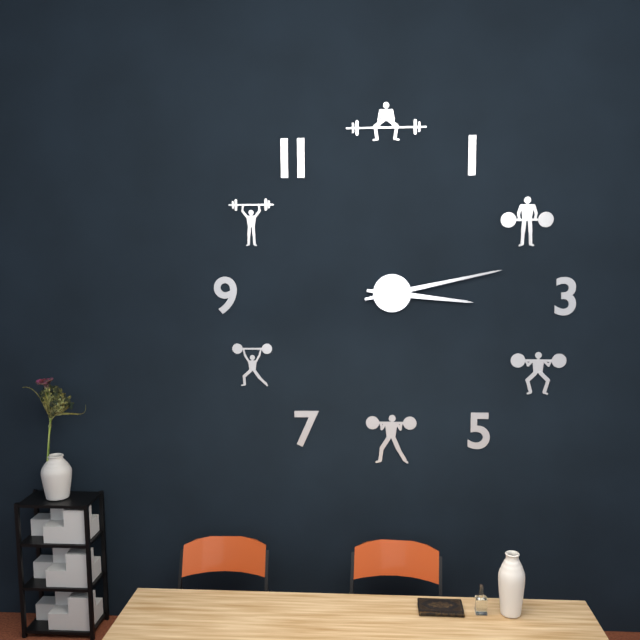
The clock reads 3.13
